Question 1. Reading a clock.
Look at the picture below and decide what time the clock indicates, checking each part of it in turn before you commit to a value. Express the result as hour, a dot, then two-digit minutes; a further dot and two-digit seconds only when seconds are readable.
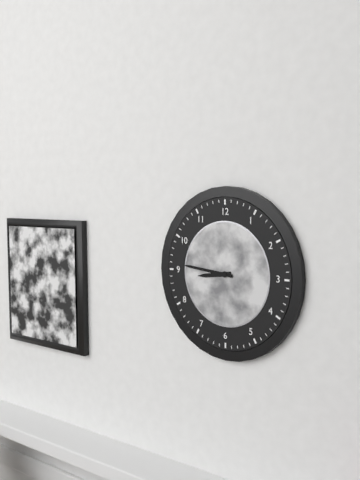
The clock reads 8.46
